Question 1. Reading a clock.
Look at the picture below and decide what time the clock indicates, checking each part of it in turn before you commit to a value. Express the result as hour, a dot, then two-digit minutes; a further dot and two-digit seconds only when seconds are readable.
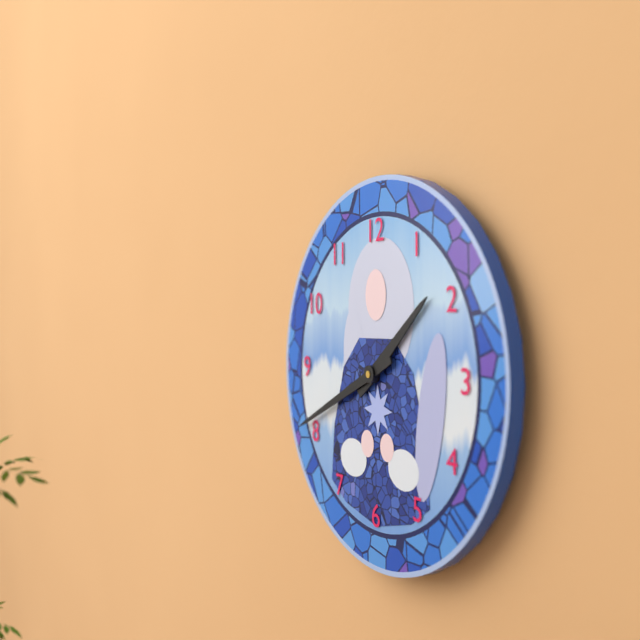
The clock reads 1.41
